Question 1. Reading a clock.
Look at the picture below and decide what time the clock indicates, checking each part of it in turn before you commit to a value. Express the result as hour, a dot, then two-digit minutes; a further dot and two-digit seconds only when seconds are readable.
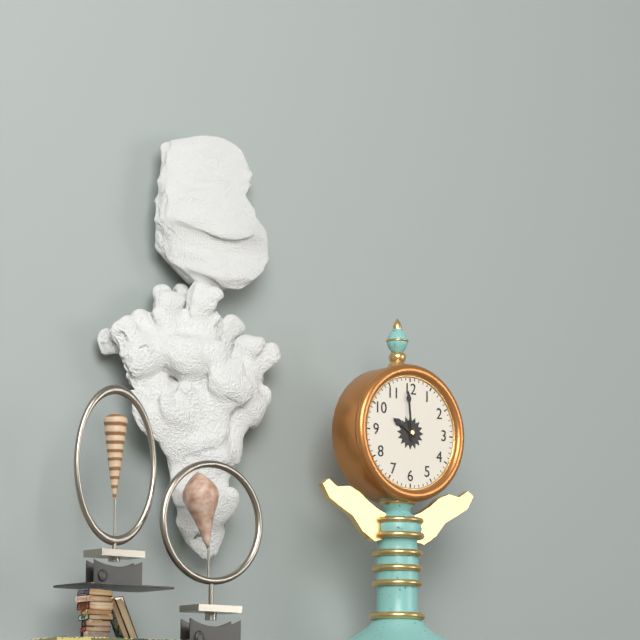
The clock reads 9.59
